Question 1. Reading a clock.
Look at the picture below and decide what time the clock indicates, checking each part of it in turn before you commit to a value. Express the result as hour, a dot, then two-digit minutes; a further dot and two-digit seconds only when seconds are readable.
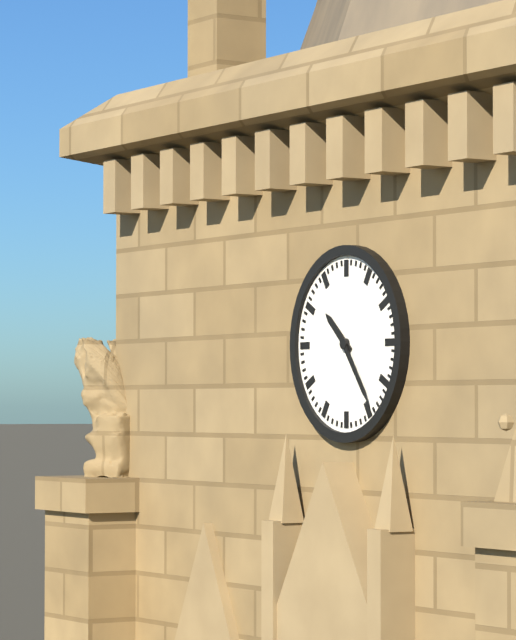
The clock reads 10.24
